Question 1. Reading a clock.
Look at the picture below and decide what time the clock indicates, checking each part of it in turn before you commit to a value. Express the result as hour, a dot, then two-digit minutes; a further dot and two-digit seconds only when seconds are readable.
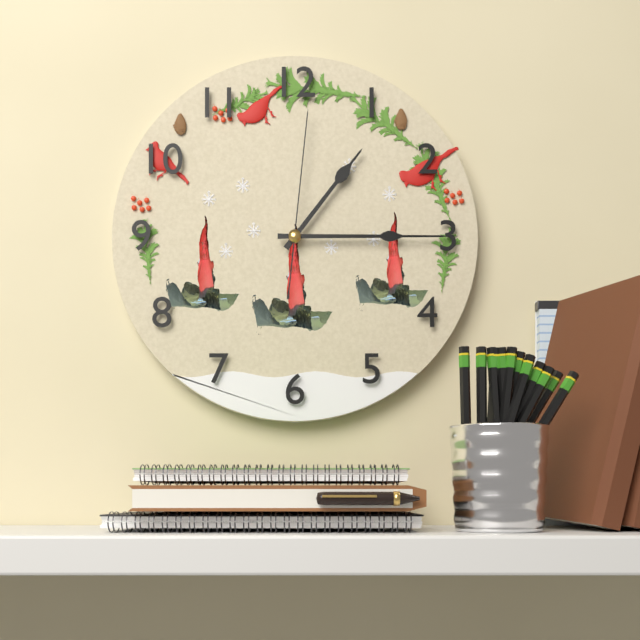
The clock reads 1.15.01
